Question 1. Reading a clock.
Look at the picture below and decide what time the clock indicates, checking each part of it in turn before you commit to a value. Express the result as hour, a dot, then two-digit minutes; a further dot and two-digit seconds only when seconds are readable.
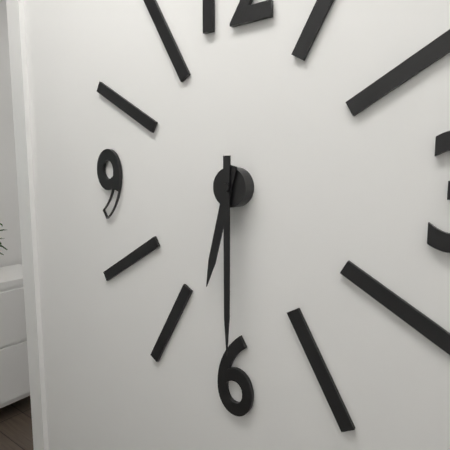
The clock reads 6.30
